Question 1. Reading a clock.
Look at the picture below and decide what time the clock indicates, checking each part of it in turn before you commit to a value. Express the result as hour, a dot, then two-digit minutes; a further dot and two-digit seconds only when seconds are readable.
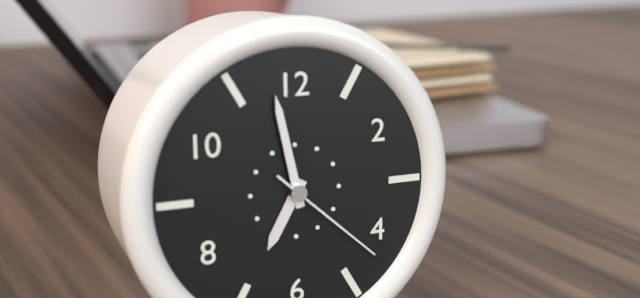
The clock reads 6.58.22
